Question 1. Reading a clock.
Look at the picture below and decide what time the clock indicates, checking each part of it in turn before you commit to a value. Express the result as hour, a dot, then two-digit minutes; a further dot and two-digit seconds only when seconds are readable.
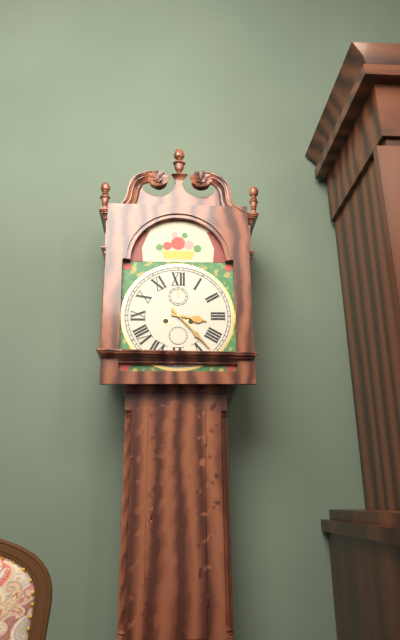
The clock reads 3.23
